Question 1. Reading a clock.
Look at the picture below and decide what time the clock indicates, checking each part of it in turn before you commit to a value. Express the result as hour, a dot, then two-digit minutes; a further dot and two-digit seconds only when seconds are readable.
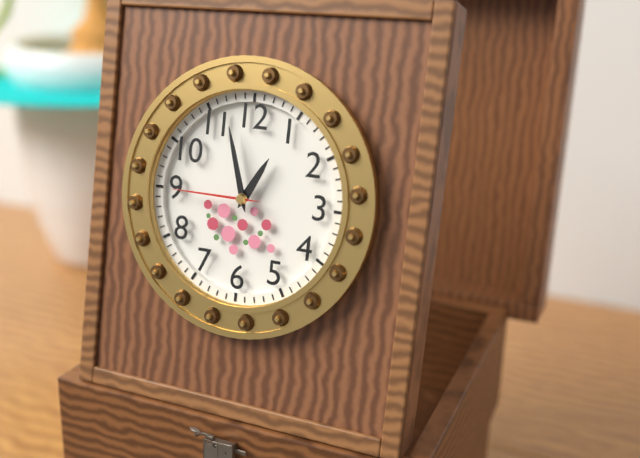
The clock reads 12.57.45
